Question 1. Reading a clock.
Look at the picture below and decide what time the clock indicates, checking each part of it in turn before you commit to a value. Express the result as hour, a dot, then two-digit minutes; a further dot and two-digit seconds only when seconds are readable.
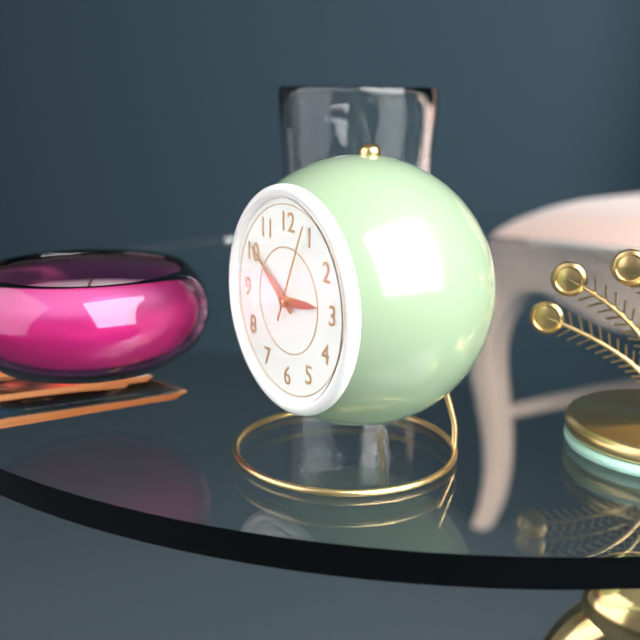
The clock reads 2.51.04
